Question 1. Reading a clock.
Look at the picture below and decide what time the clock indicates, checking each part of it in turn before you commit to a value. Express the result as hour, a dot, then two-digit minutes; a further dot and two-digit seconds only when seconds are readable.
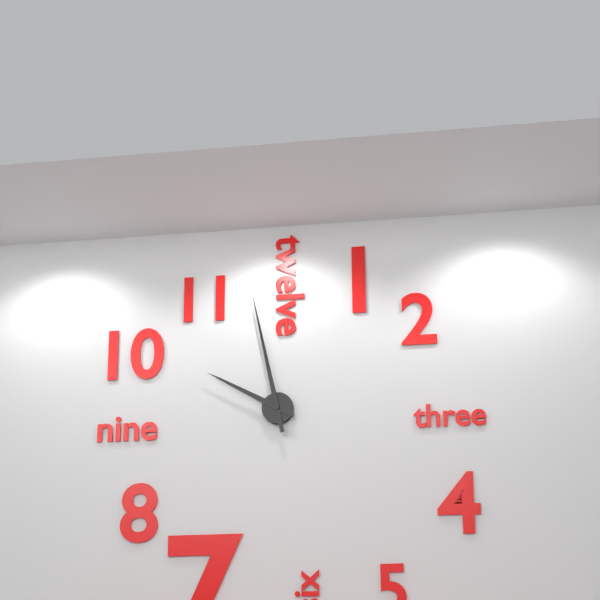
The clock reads 9.58
